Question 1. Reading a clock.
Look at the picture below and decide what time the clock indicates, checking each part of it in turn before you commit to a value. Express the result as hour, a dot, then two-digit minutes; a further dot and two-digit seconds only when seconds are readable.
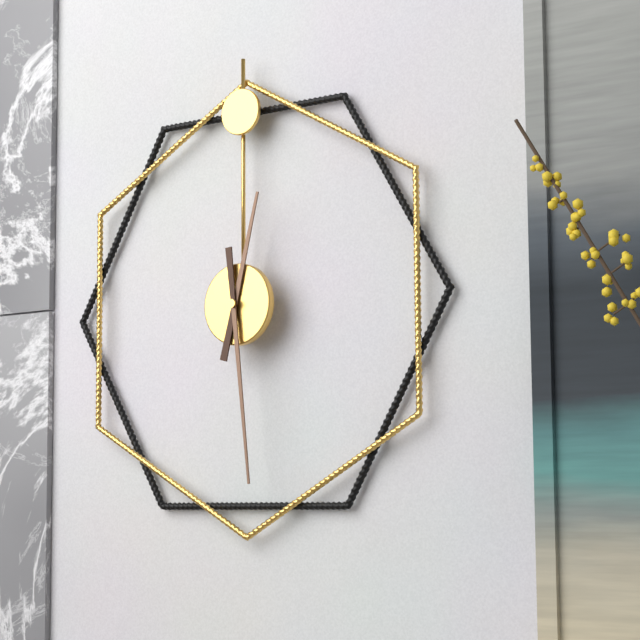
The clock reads 12.29
